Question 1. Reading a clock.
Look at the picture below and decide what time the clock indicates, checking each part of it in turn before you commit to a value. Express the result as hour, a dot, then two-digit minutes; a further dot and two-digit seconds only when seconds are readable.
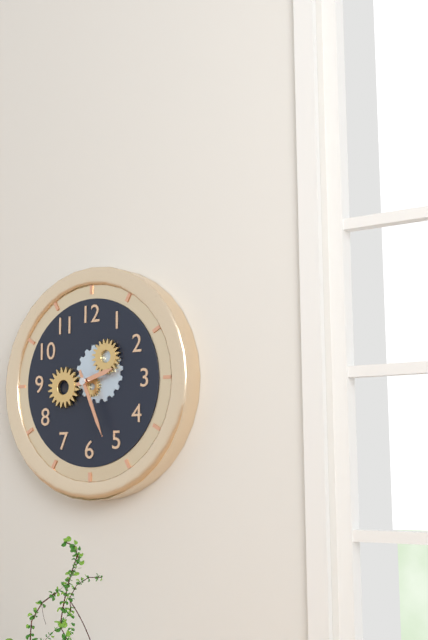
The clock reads 2.26
